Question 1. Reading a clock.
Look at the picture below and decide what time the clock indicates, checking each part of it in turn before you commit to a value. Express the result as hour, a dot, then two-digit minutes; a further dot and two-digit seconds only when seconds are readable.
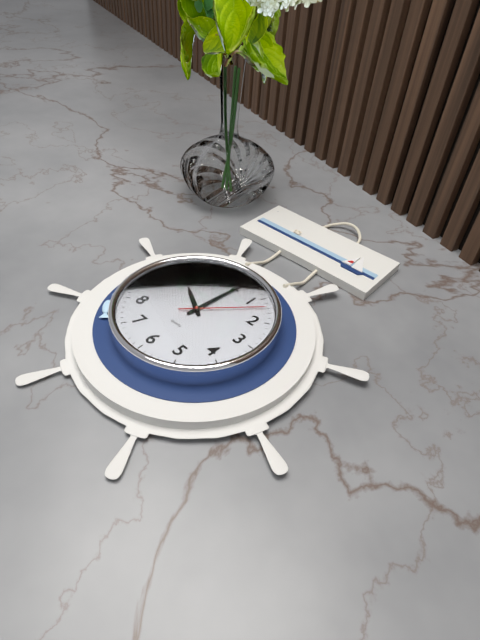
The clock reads 10.01.07
